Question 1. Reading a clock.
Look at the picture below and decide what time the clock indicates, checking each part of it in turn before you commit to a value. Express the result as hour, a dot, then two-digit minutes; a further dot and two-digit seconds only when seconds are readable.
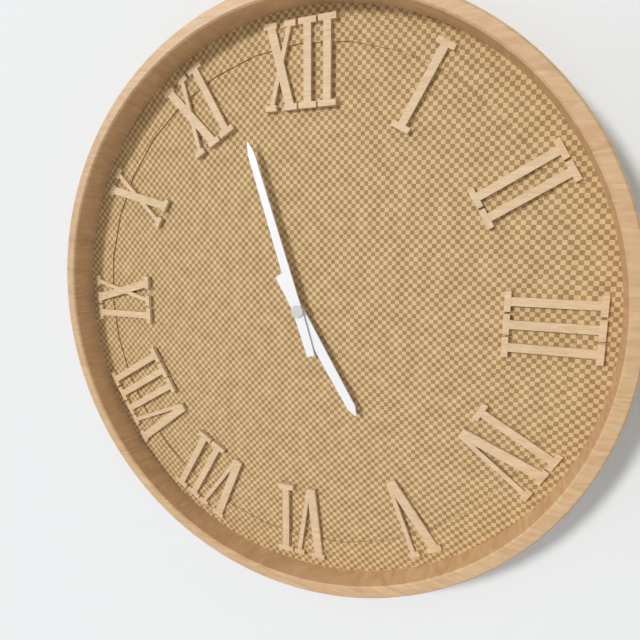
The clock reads 4.57
